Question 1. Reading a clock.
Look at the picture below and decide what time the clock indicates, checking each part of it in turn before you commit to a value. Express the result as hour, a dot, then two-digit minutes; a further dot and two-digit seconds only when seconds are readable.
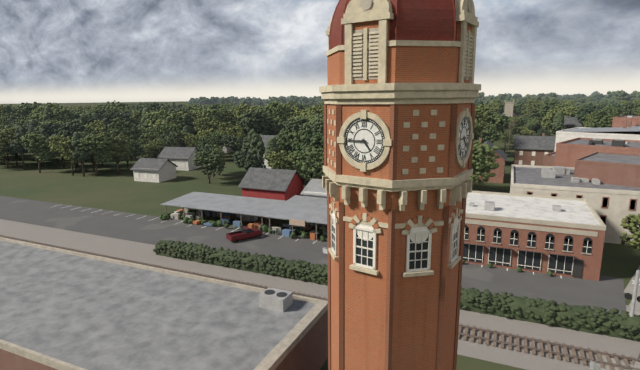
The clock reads 4.45
